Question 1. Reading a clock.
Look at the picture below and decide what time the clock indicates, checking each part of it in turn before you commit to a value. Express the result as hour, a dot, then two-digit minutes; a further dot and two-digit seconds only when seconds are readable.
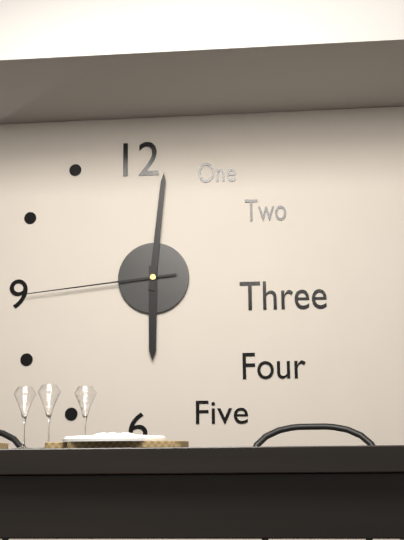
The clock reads 6.01.44
